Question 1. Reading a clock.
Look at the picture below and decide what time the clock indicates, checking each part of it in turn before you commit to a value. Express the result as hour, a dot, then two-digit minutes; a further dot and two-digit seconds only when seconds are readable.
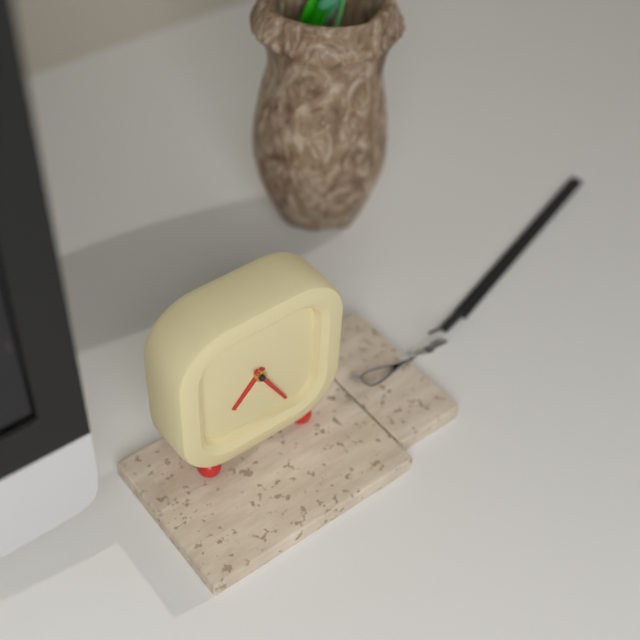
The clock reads 7.25
